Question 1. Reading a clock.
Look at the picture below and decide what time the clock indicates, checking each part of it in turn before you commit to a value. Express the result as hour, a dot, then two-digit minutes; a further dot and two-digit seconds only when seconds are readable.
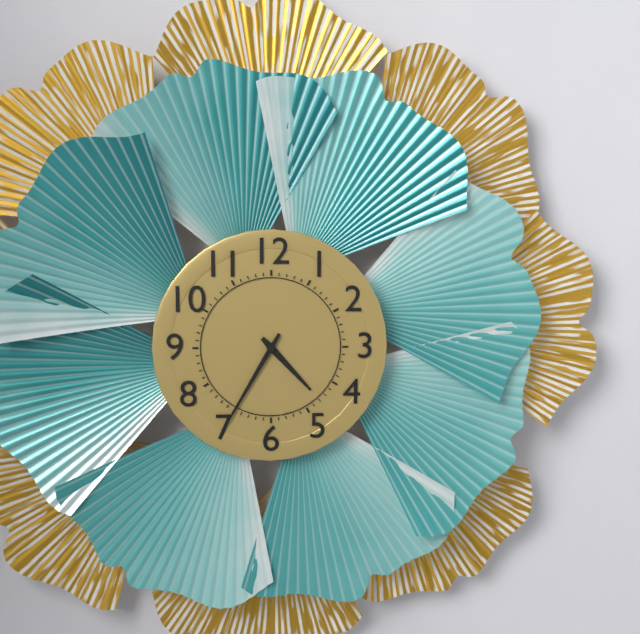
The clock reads 4.35
